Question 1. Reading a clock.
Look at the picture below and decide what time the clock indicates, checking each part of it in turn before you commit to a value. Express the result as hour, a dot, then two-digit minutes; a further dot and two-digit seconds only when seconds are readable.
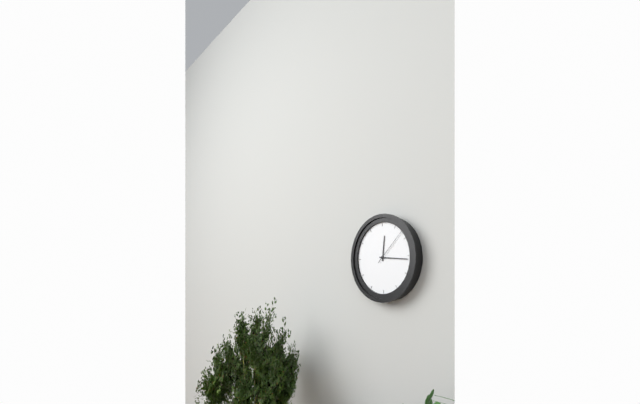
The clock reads 12.16
